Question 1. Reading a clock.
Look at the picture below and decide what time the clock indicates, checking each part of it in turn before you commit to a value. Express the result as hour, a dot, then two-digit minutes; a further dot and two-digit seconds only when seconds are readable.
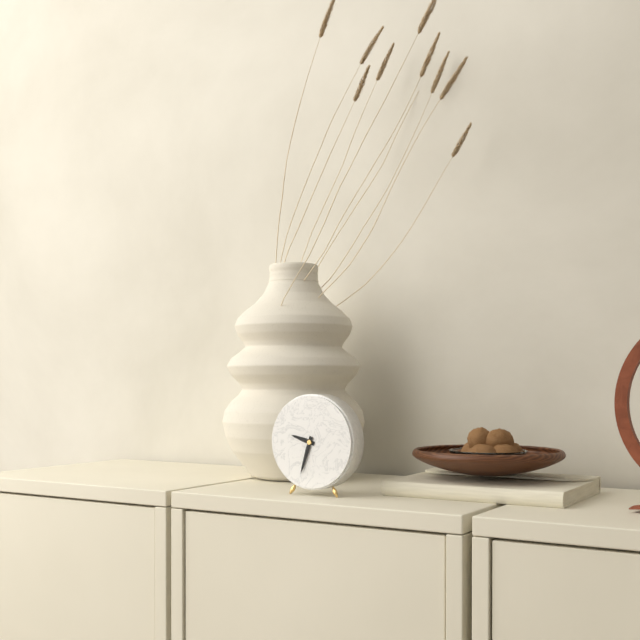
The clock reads 9.33
